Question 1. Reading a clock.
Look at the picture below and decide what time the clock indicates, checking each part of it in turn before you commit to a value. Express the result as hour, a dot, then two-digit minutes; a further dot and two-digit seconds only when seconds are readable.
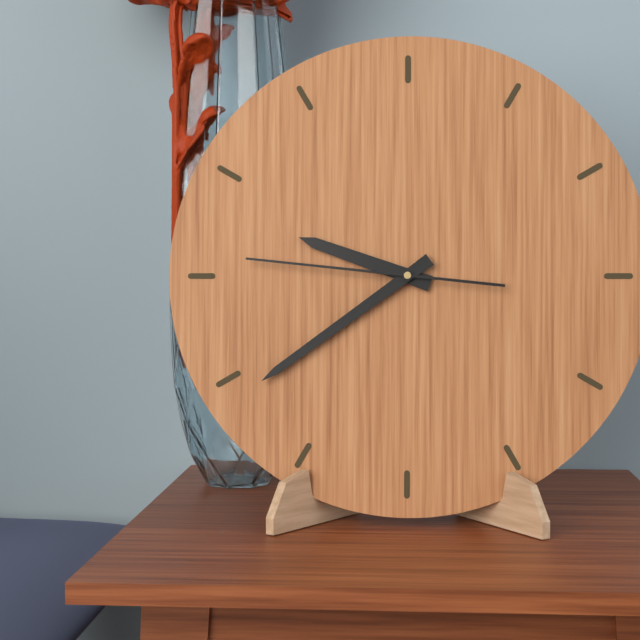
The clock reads 9.39.46
